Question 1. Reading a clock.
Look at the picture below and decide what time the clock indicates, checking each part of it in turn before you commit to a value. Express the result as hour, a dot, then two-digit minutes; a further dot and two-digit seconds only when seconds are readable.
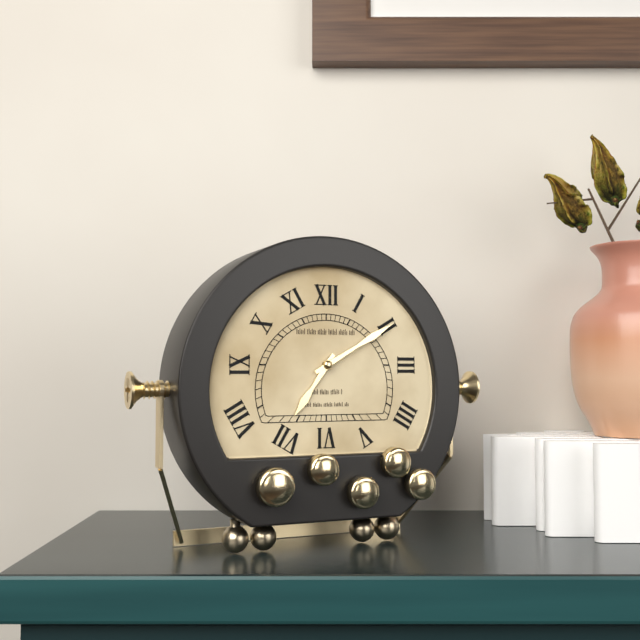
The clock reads 7.10
